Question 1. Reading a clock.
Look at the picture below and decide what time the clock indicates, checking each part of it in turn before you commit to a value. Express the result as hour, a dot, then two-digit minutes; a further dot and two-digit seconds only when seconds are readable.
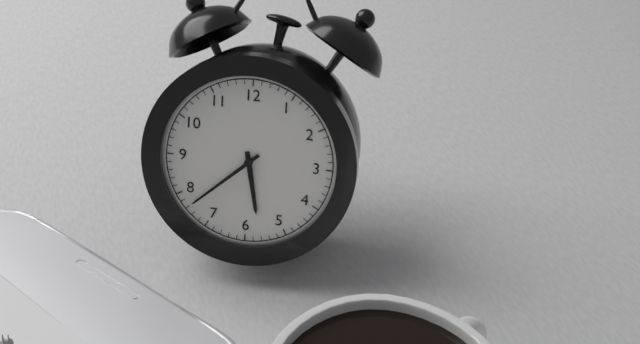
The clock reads 5.38
